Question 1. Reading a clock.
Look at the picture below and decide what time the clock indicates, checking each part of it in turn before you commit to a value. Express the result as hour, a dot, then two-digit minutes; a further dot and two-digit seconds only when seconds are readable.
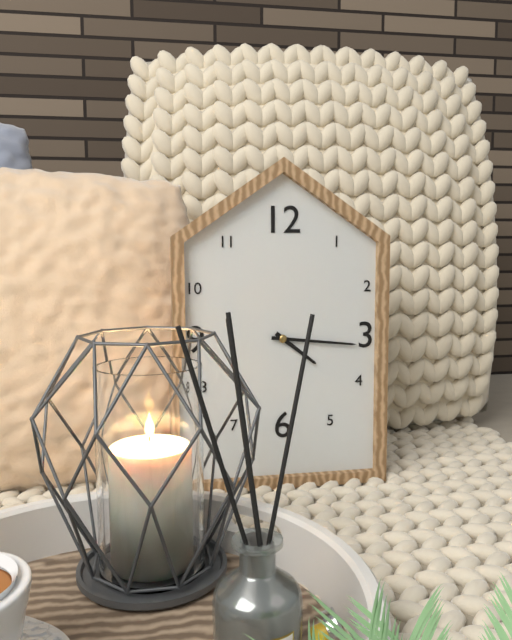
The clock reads 4.16
